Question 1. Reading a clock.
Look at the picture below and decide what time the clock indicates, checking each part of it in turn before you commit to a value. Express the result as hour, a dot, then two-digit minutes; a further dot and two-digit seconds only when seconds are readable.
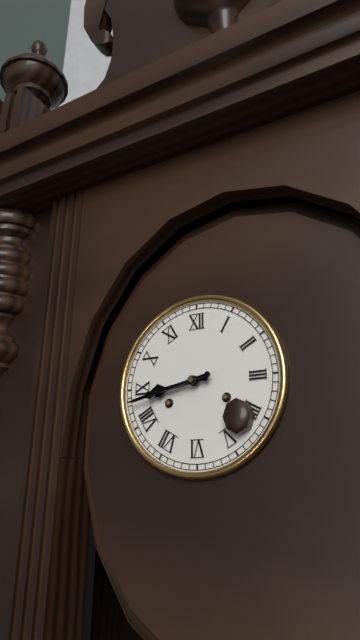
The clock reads 8.43
